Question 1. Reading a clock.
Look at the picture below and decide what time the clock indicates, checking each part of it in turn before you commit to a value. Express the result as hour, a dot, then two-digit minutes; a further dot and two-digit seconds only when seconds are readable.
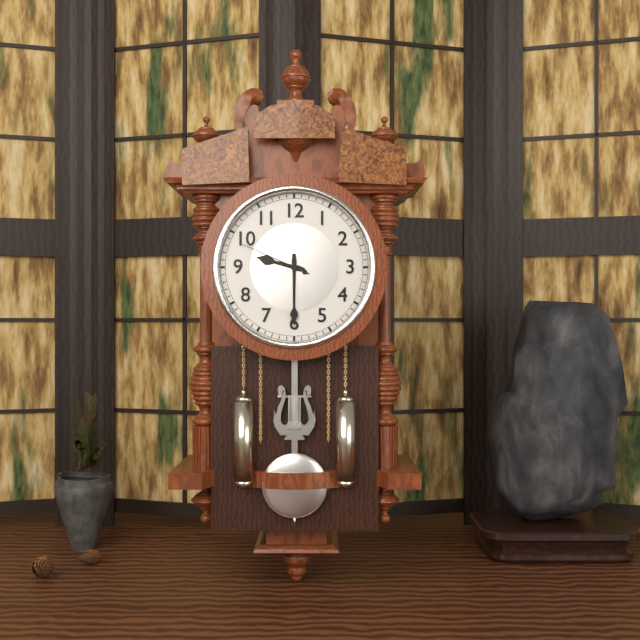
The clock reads 9.30.49
